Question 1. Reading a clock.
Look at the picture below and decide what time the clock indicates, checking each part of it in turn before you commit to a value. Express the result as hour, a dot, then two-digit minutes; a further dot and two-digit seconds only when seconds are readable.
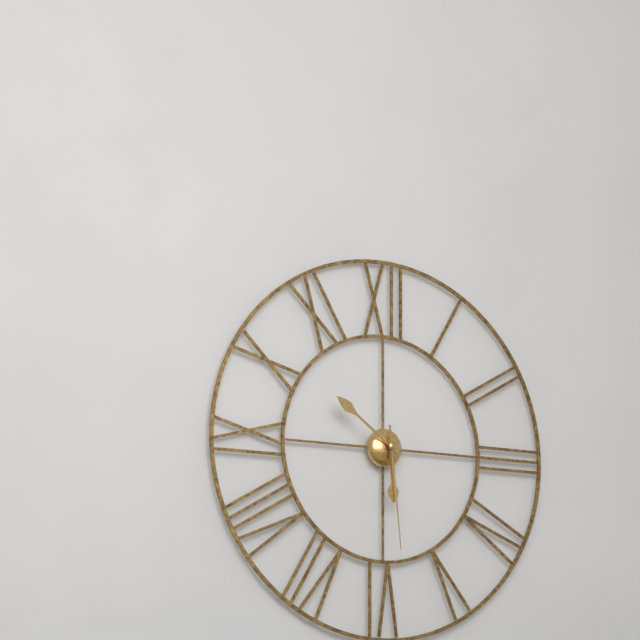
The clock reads 5.51.29
